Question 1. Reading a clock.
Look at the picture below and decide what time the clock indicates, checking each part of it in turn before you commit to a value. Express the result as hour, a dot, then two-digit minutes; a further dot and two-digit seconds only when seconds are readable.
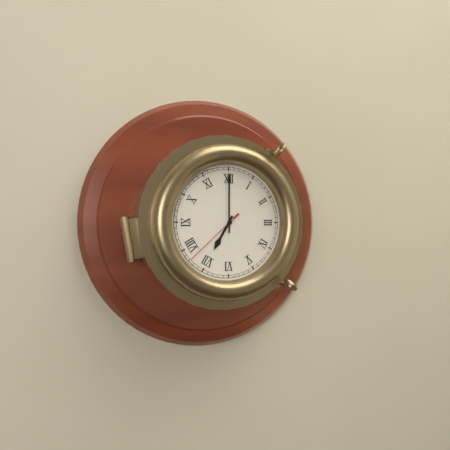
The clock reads 7.00.38
